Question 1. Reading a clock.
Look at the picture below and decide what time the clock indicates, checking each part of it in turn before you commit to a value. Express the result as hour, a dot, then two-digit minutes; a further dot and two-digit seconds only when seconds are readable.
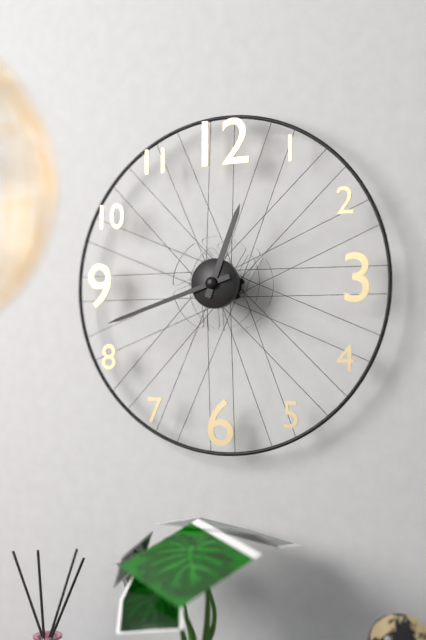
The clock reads 12.42
